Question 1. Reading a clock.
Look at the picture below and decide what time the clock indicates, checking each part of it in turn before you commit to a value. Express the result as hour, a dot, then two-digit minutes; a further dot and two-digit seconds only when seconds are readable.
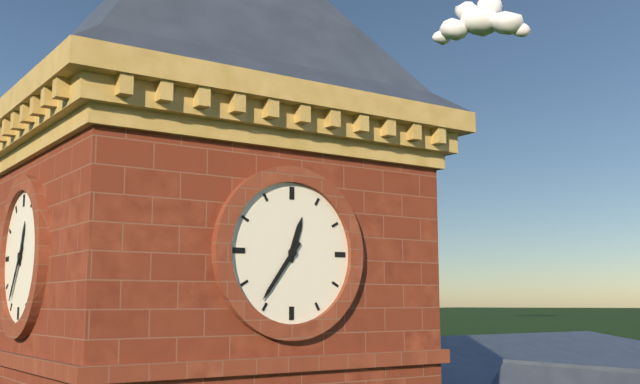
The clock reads 12.36
